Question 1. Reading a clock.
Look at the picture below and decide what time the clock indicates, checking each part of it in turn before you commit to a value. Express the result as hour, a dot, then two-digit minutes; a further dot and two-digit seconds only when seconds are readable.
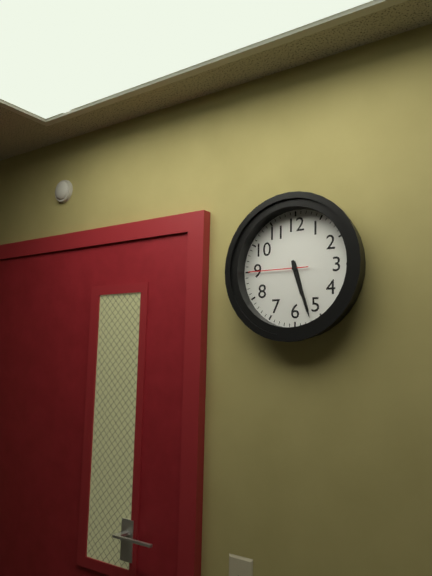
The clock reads 5.27.45
